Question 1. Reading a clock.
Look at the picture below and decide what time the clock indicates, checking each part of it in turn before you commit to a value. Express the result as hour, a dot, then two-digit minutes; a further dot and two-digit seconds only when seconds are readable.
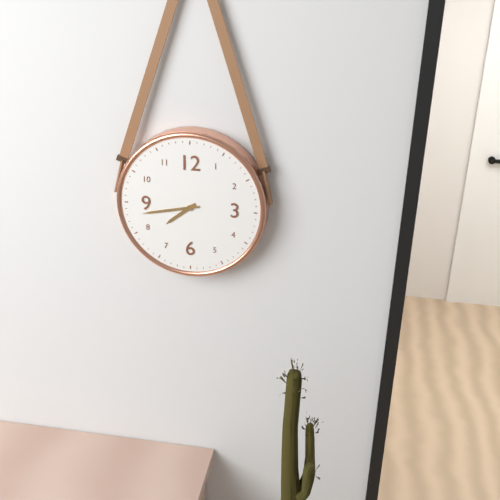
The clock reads 7.43
